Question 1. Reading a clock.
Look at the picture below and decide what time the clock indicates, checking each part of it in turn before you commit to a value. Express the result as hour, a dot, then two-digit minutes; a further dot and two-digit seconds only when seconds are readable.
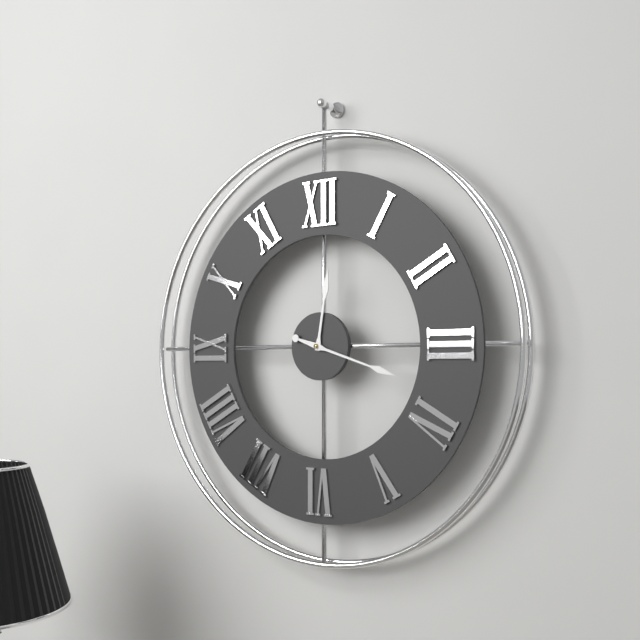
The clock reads 12.18
